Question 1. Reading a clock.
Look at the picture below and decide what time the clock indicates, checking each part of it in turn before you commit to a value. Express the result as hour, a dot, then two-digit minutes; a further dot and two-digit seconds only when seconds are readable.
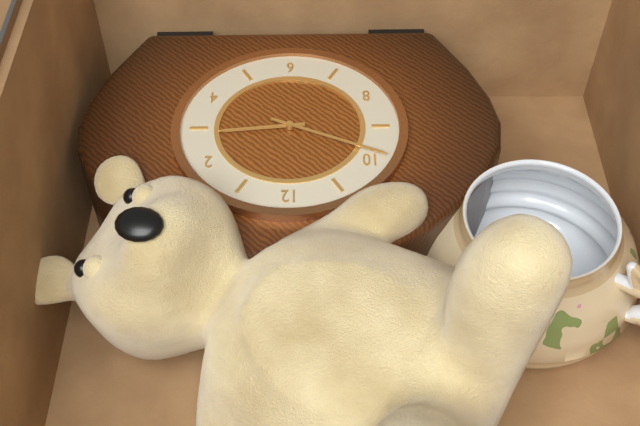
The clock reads 2.49
